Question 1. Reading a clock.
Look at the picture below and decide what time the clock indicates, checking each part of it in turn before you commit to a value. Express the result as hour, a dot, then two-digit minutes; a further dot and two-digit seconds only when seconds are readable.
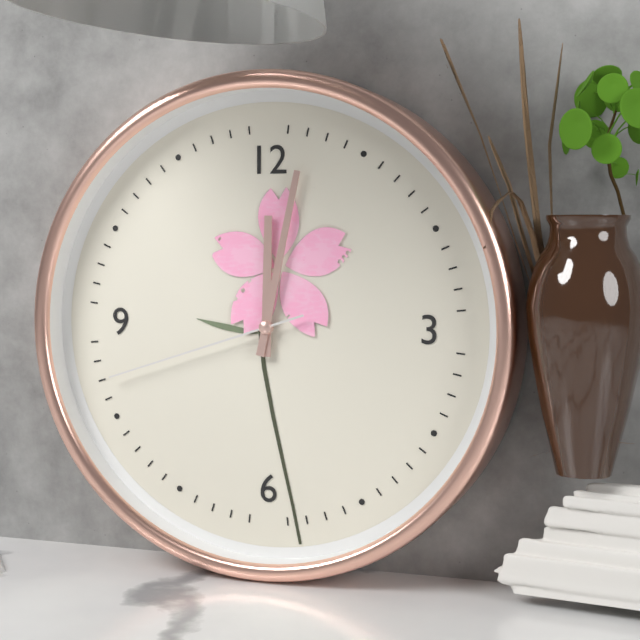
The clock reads 12.02.42
